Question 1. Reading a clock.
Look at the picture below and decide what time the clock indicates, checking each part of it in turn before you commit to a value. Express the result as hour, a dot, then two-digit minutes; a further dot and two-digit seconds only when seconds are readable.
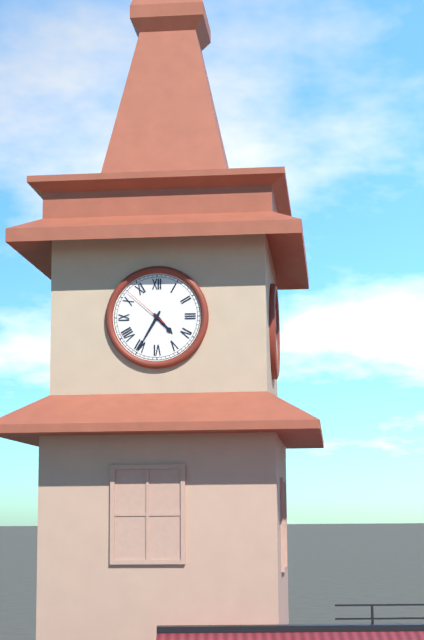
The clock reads 4.35.52
